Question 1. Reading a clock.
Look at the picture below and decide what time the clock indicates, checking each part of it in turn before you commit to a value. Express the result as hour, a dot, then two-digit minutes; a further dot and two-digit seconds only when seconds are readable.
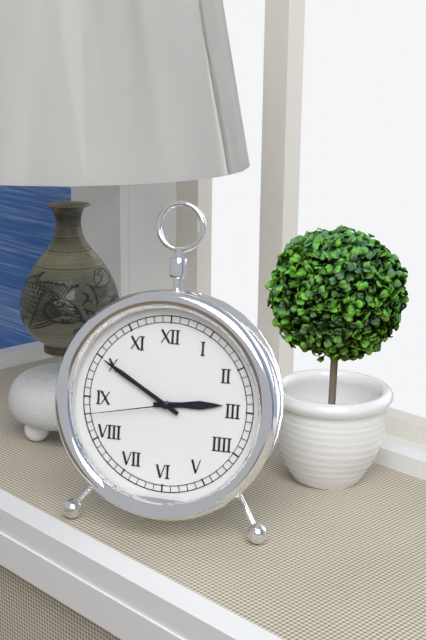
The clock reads 2.50.43
